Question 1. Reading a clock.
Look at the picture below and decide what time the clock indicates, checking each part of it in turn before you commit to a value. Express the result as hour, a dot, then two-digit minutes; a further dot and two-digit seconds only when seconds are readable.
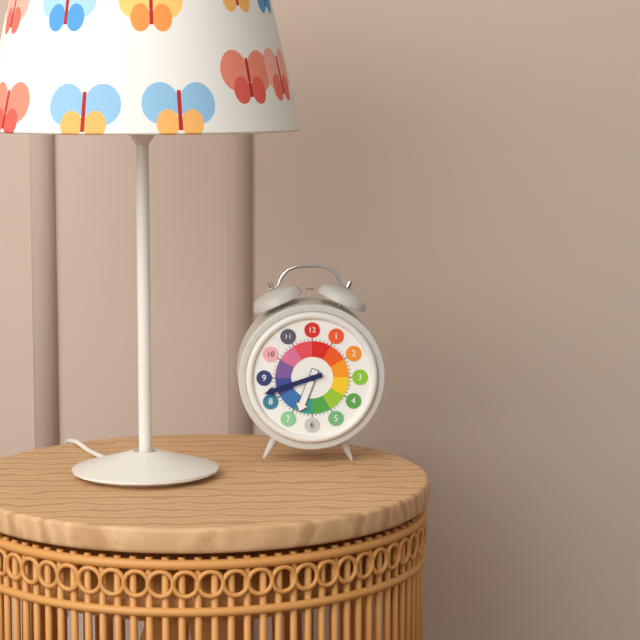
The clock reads 6.42
